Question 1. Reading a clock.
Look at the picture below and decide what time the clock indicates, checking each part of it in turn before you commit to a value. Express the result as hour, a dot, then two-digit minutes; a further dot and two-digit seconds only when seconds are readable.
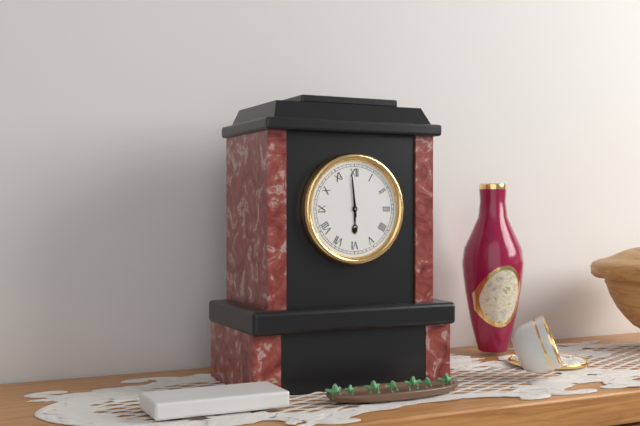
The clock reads 5.59
